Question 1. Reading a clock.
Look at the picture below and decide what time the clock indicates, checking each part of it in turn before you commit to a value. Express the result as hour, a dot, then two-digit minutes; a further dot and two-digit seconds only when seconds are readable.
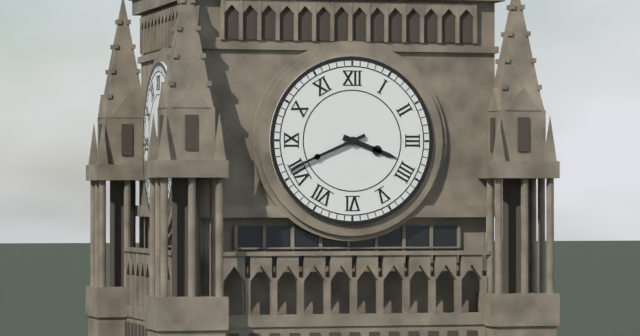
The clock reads 3.41
